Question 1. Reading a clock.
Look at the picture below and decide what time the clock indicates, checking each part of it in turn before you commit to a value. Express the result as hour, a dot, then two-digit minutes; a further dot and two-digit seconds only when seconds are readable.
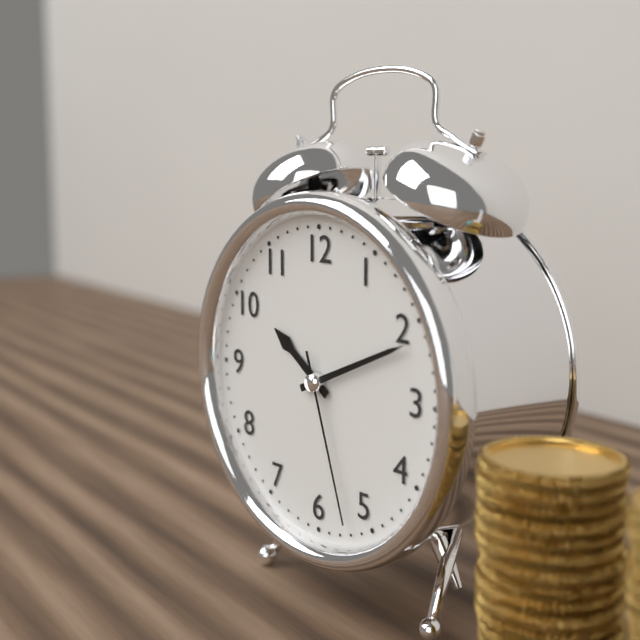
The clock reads 10.11.27
